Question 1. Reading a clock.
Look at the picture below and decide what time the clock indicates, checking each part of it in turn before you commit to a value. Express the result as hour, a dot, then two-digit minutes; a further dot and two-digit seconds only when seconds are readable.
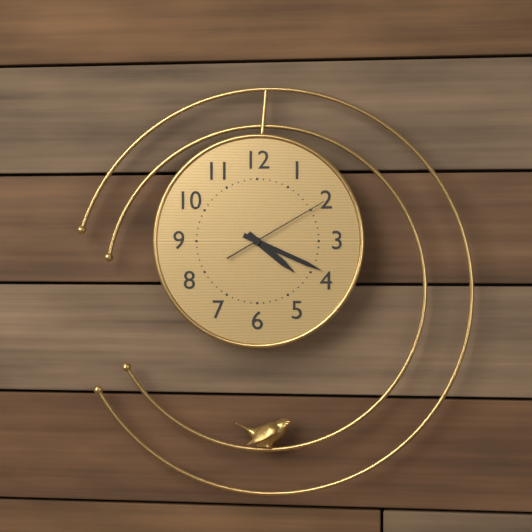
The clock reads 4.19.10
